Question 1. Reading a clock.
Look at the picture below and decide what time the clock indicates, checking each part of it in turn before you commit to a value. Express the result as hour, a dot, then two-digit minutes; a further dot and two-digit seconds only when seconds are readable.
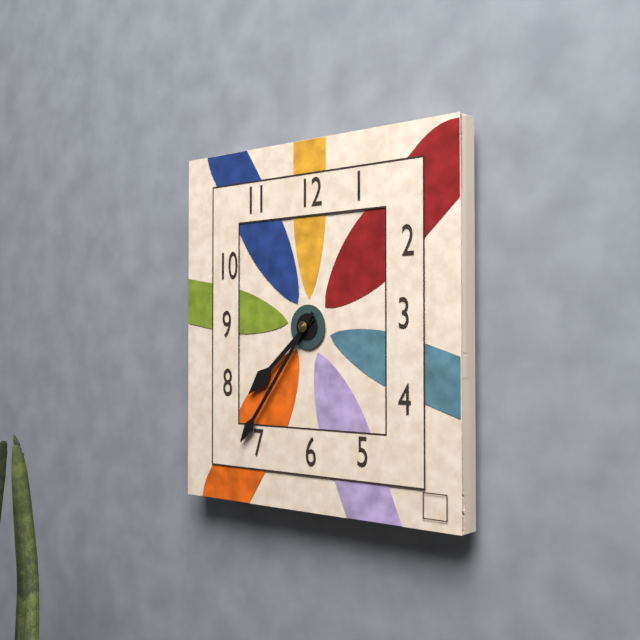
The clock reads 7.36
